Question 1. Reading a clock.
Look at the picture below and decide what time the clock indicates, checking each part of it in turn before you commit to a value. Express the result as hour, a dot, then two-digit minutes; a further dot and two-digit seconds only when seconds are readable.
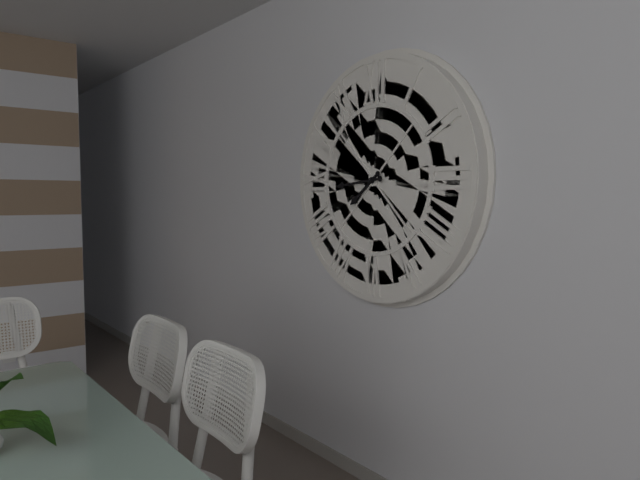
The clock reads 7.44
